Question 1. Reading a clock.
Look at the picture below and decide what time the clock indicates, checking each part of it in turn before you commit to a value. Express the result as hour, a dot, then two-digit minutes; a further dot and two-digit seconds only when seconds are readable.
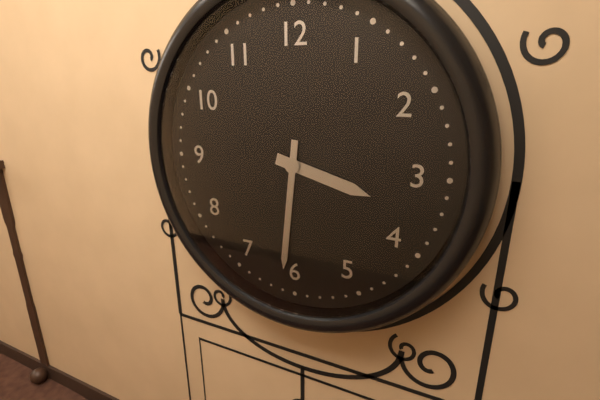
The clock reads 3.31
